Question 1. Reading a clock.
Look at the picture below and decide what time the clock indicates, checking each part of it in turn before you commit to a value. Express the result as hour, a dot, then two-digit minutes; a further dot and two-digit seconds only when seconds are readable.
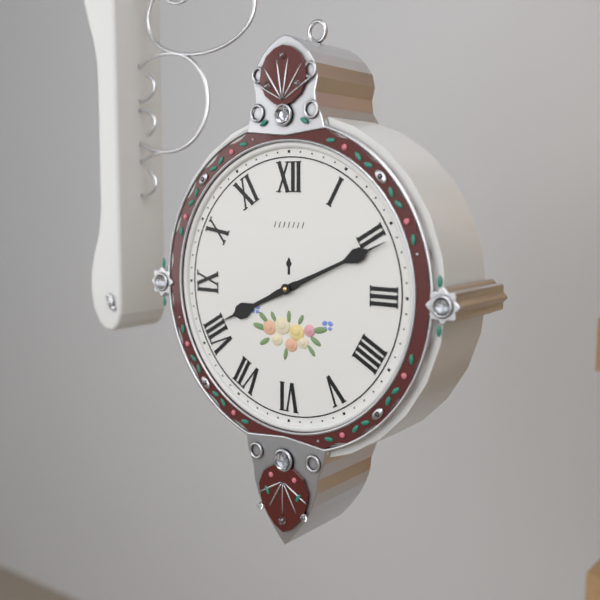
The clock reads 8.11
